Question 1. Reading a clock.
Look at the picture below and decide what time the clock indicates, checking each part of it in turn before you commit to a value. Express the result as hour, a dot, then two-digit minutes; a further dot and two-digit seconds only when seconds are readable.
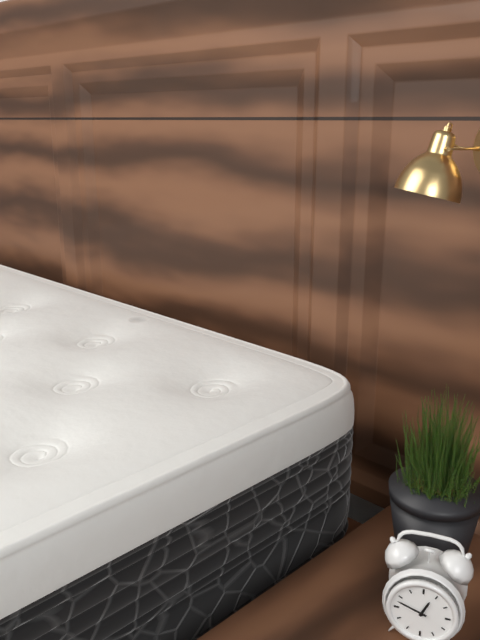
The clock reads 12.48
